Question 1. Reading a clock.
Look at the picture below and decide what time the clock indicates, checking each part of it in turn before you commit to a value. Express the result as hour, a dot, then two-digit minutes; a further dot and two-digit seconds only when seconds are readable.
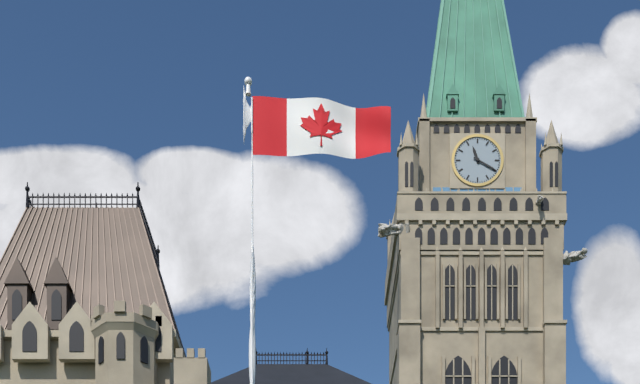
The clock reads 11.20
